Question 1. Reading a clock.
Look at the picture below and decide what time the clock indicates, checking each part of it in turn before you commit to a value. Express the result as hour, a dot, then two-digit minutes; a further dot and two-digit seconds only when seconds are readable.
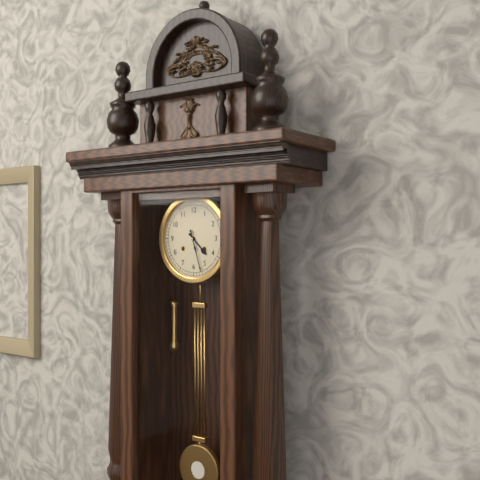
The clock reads 4.27
